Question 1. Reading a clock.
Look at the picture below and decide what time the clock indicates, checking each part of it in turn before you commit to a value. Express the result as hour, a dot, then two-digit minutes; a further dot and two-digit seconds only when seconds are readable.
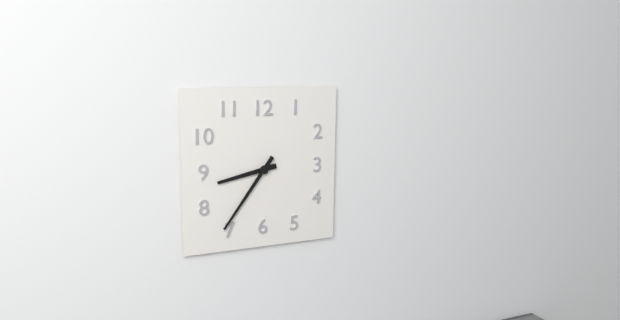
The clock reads 8.36
